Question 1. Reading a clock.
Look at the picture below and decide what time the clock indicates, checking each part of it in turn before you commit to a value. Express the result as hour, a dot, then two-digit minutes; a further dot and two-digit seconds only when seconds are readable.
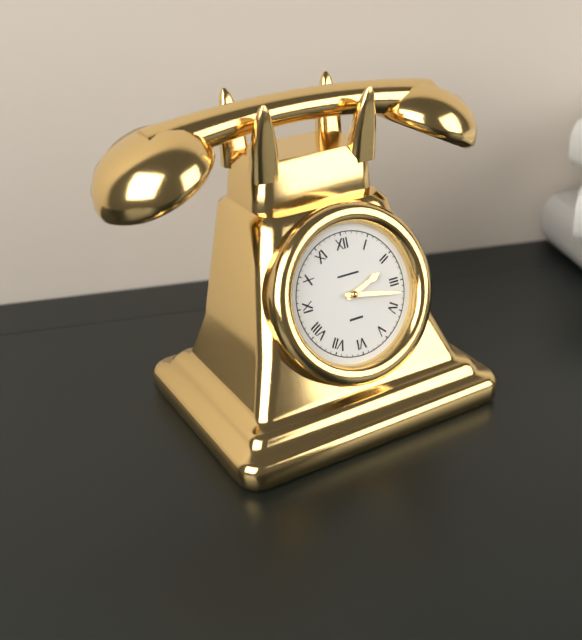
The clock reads 2.17
